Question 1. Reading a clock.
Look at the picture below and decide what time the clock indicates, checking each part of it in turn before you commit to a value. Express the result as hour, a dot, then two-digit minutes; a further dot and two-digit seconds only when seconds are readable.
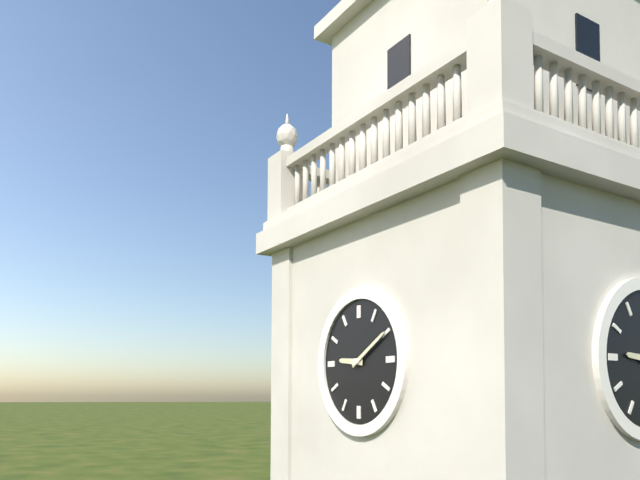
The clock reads 9.10
